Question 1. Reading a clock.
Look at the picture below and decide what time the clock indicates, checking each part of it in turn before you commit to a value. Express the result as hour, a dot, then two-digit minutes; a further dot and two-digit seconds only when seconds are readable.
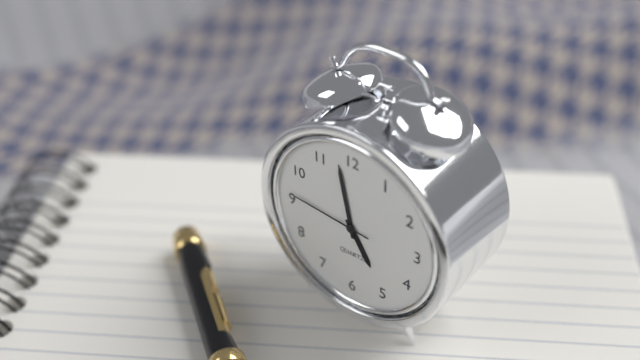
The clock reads 4.58.46
